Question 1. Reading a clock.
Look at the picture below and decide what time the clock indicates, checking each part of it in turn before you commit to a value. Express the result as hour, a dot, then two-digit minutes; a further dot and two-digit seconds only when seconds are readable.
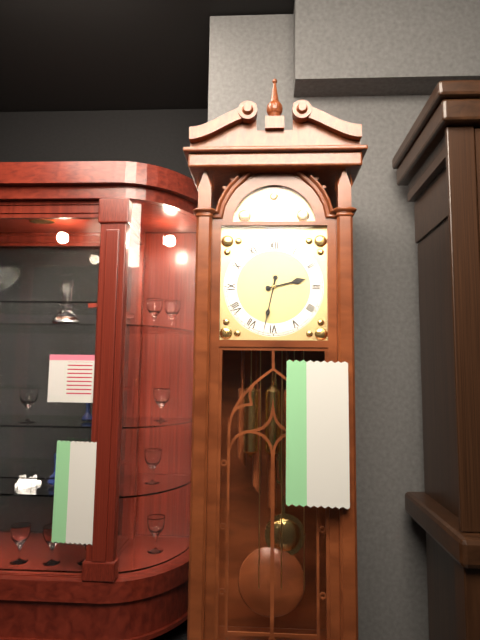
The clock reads 2.32
